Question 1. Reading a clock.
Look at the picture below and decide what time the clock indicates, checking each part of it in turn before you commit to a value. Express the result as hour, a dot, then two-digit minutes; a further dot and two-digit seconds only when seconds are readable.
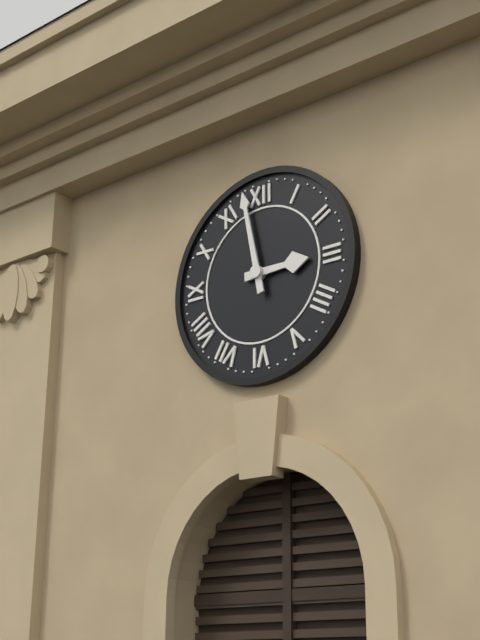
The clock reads 2.58
